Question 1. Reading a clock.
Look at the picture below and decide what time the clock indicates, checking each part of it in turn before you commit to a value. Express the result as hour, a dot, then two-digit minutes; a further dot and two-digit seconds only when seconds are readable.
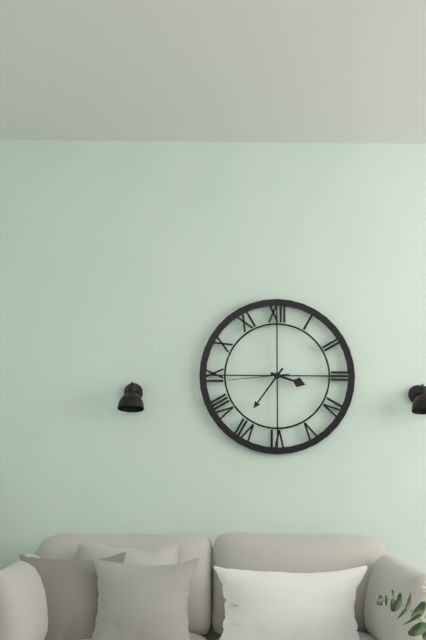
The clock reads 3.36.44
